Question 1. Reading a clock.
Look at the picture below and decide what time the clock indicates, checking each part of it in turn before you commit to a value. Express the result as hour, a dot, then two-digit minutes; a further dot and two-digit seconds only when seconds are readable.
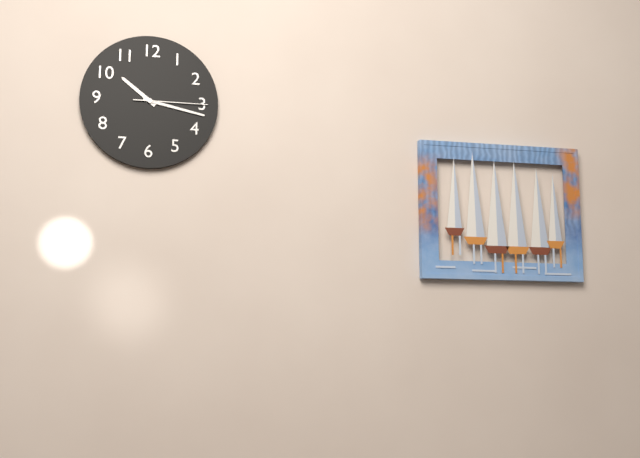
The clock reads 10.17.15
